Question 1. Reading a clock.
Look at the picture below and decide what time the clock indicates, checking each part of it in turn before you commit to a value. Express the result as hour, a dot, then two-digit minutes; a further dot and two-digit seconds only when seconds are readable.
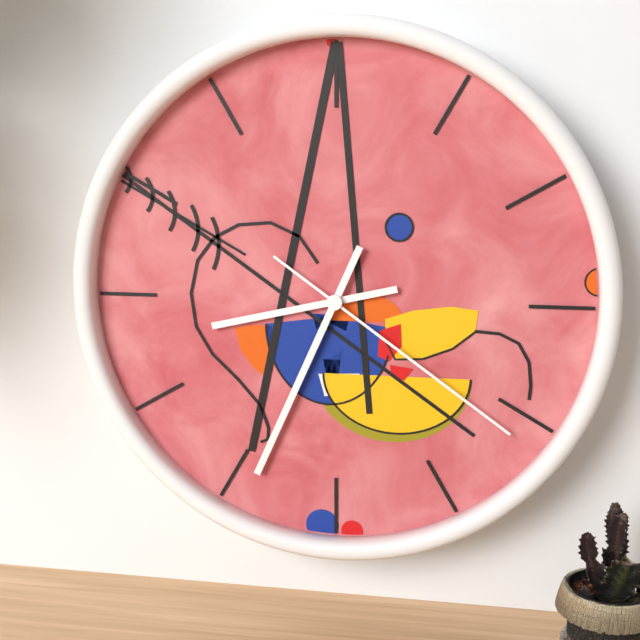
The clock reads 8.34.21
